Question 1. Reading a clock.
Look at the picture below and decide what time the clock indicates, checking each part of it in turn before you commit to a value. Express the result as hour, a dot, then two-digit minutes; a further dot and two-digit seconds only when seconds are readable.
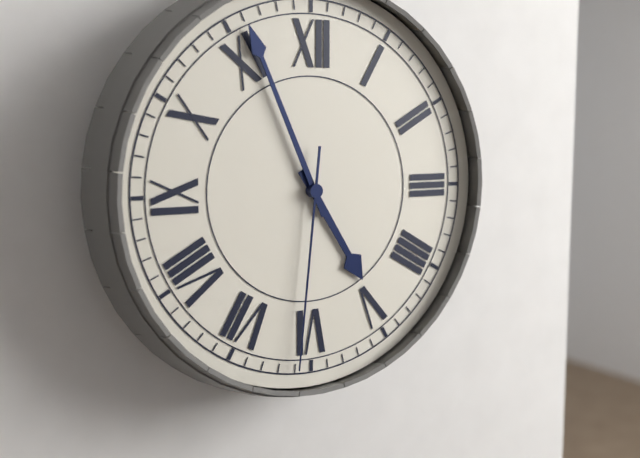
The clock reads 4.56.31
